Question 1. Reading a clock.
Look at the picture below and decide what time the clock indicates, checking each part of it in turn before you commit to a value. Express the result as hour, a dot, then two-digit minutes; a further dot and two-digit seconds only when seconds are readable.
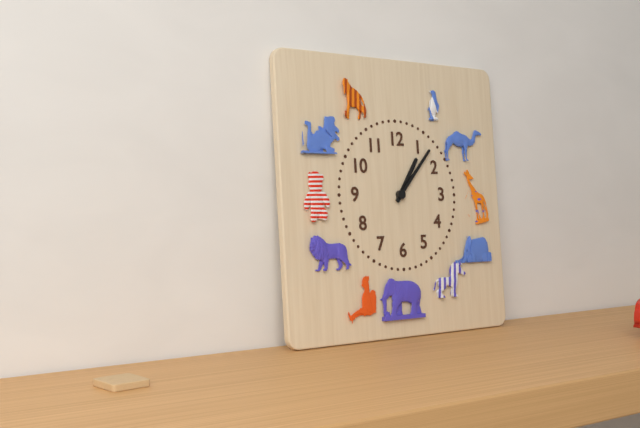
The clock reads 1.07
